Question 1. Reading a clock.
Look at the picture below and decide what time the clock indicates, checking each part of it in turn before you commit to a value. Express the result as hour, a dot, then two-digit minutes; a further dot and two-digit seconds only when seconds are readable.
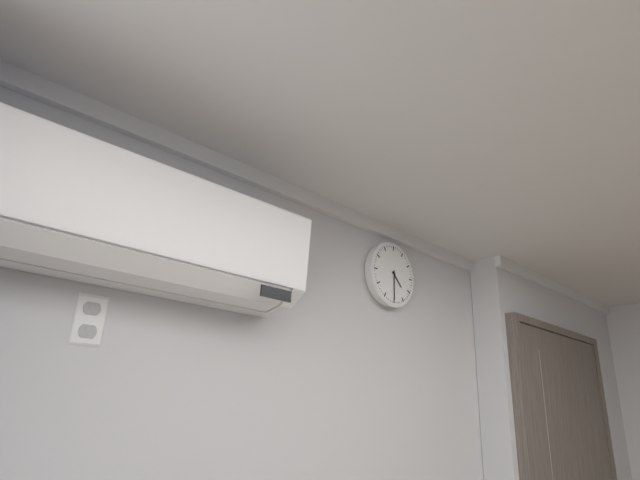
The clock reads 4.30
